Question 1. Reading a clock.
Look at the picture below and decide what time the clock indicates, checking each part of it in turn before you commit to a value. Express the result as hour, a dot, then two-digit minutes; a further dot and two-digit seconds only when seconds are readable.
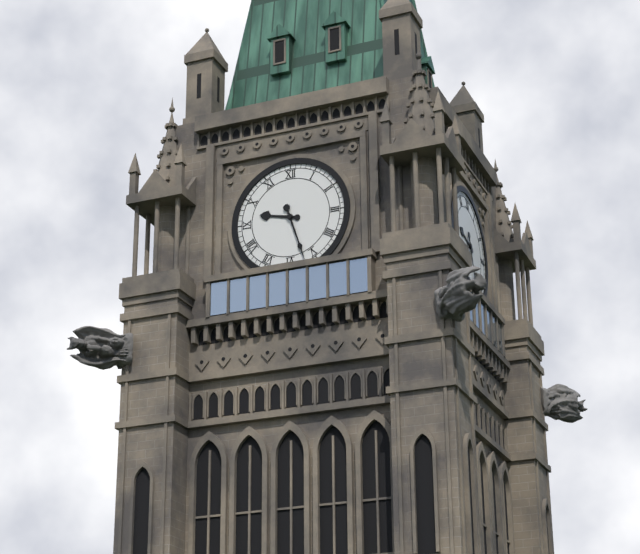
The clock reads 9.27
